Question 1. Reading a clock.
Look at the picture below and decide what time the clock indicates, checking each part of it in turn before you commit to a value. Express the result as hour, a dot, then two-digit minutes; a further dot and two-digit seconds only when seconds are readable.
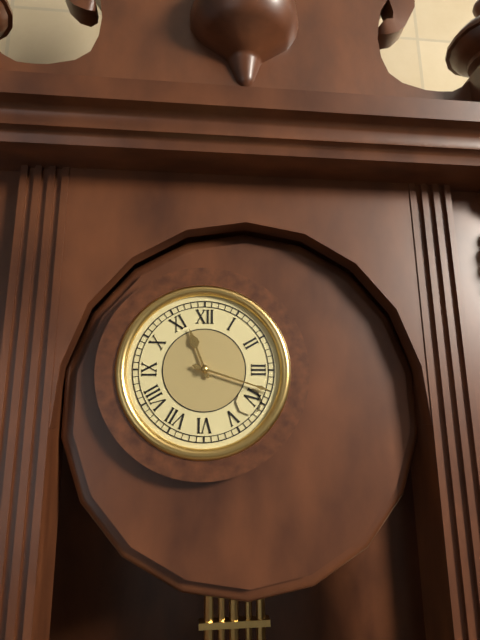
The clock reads 11.18
